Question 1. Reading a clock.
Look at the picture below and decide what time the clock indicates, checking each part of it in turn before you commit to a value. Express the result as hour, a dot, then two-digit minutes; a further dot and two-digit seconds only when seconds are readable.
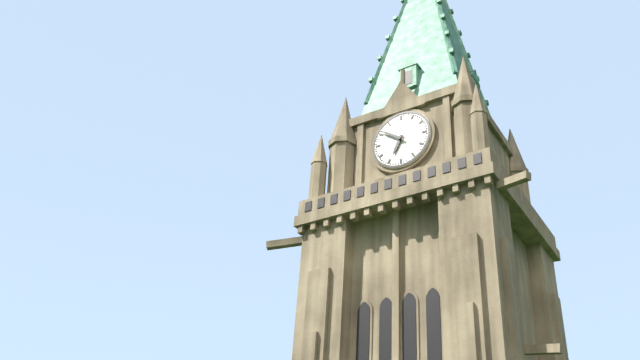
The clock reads 6.51
